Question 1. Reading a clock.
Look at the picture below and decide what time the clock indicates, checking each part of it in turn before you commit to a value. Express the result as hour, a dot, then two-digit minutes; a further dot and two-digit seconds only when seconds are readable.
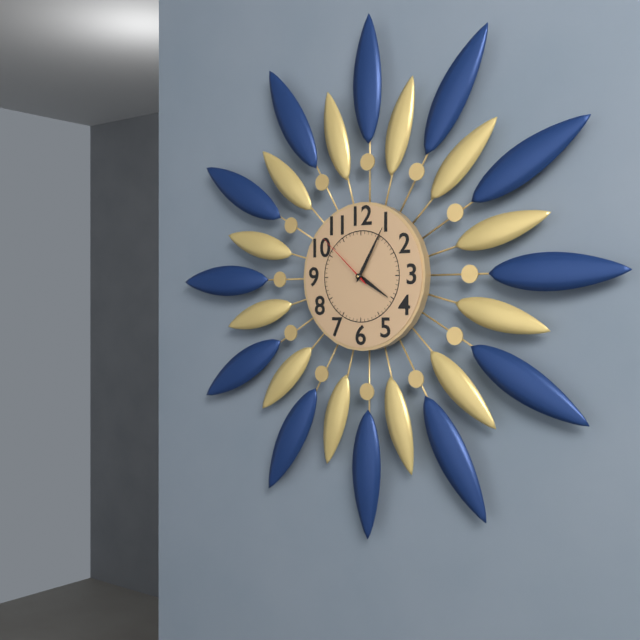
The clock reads 4.05.52
